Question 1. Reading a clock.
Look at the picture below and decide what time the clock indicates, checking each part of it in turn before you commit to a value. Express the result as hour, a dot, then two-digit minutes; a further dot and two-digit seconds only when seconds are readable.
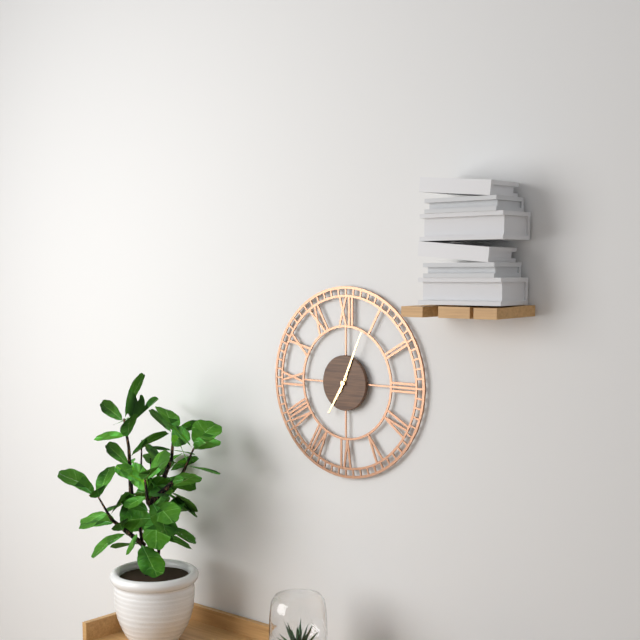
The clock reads 7.04
